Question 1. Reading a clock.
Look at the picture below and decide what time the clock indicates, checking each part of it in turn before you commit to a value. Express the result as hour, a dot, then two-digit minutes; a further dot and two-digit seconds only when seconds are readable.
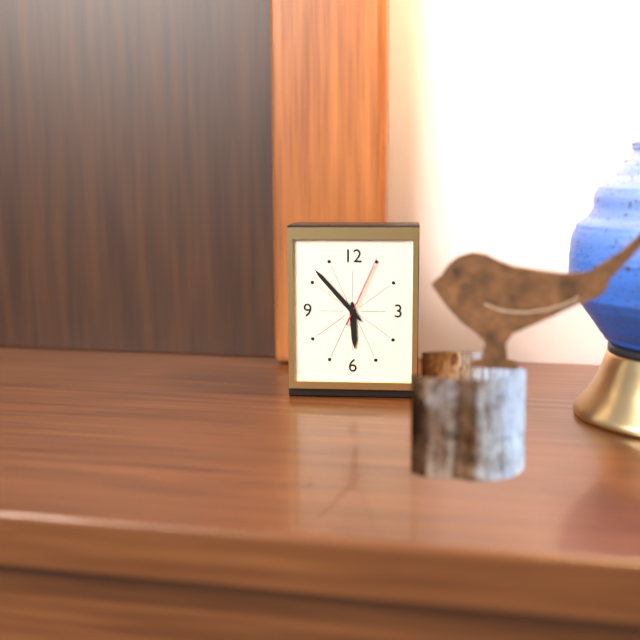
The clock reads 5.53.04
